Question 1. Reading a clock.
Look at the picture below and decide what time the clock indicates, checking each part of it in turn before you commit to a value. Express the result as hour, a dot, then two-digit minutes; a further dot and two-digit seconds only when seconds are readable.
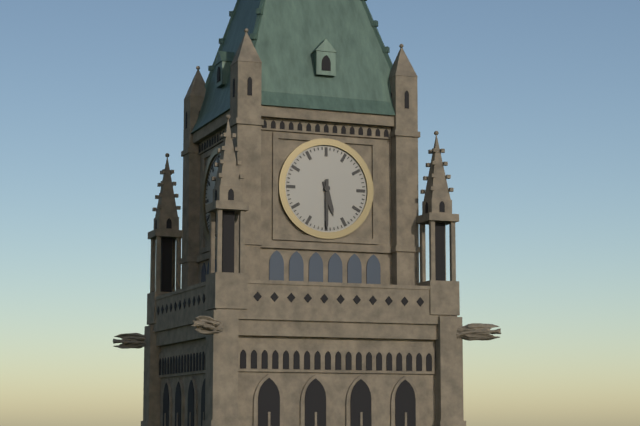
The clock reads 5.30
